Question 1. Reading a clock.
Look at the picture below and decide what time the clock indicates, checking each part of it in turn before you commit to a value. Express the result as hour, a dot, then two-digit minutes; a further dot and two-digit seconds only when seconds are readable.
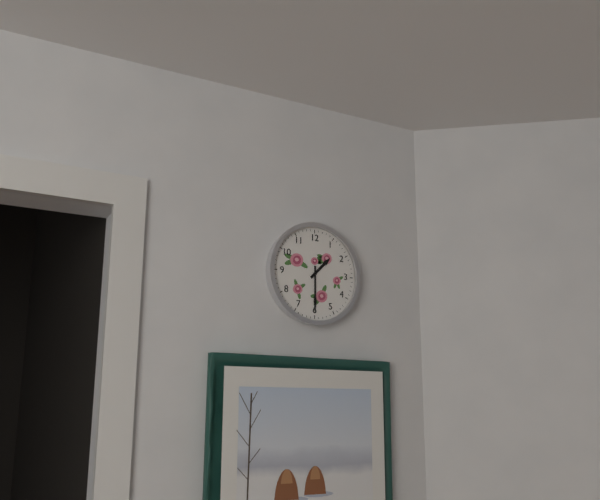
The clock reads 1.30
